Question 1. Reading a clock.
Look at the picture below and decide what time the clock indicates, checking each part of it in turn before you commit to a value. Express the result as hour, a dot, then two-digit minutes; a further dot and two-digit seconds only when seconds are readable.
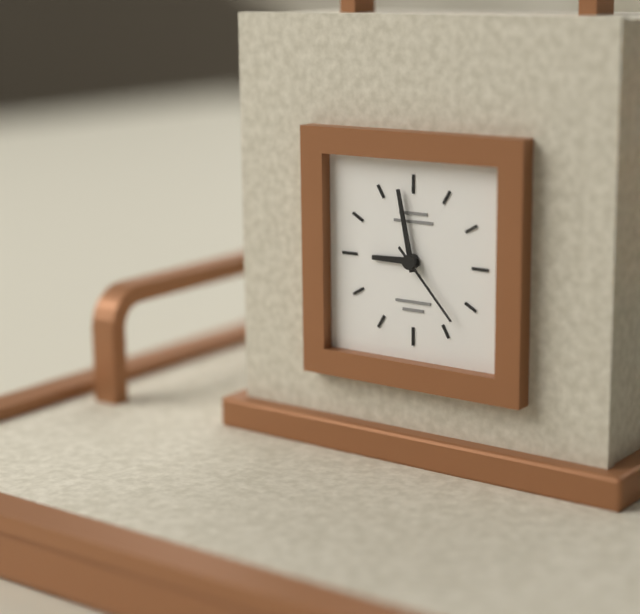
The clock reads 8.58.23
